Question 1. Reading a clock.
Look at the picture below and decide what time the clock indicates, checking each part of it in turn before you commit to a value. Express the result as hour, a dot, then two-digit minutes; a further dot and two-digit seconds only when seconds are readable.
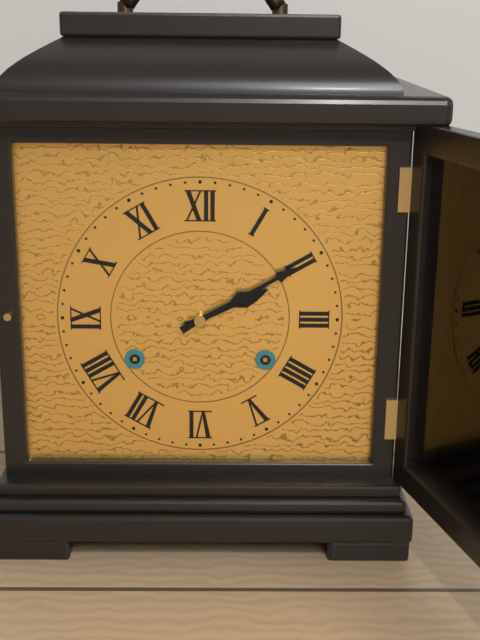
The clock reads 2.10
